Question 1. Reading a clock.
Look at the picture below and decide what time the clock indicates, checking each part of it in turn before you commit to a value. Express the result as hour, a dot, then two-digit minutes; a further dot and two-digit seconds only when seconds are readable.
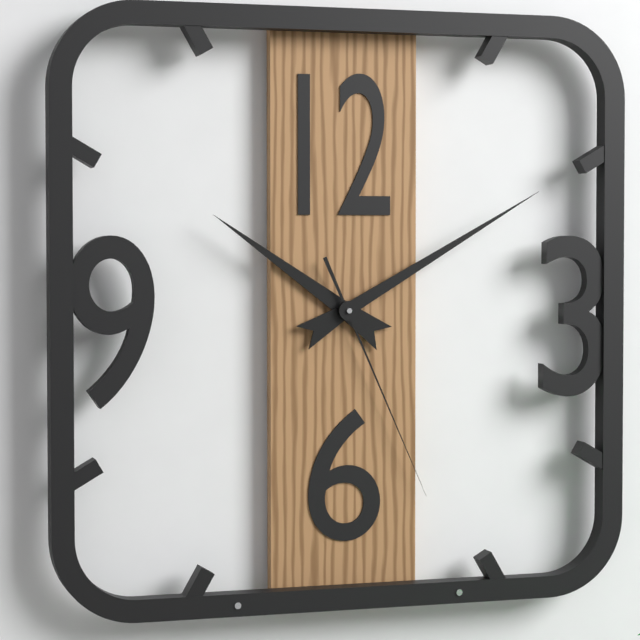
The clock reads 10.10.26
